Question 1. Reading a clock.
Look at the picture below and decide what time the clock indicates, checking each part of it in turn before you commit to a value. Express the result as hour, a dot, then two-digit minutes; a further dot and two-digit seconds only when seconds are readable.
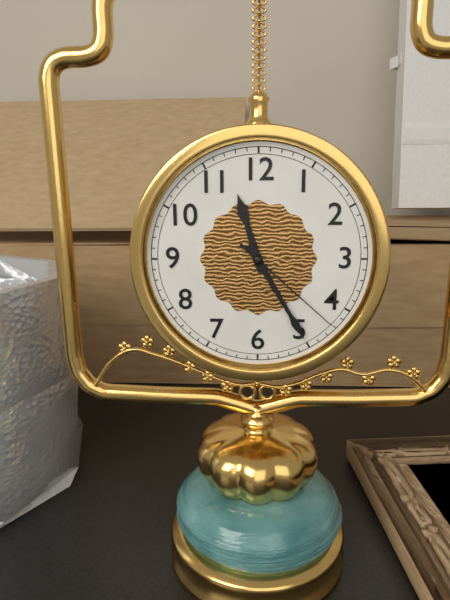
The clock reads 11.25.22
